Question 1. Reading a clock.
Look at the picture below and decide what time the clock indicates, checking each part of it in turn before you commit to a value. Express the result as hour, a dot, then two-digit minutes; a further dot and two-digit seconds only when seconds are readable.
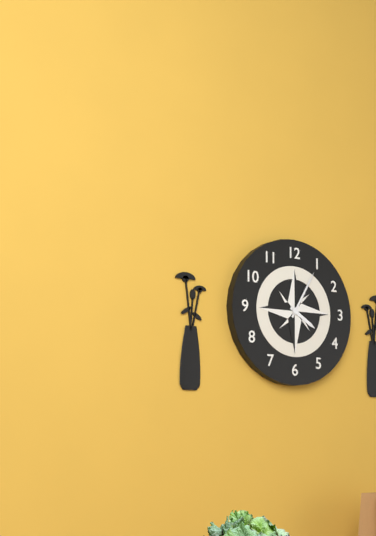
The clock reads 4.05
